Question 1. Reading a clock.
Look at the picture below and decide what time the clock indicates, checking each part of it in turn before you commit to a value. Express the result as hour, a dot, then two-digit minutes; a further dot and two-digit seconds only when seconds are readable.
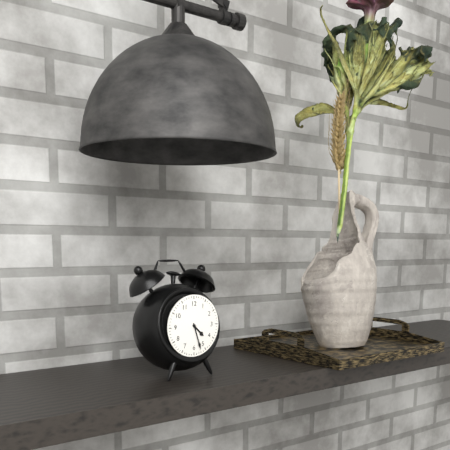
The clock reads 4.27
